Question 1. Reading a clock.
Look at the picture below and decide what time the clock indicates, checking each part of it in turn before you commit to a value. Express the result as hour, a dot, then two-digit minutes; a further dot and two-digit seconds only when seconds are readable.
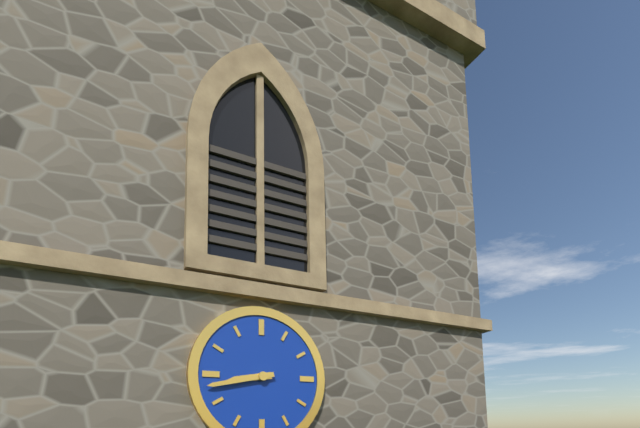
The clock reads 8.43
